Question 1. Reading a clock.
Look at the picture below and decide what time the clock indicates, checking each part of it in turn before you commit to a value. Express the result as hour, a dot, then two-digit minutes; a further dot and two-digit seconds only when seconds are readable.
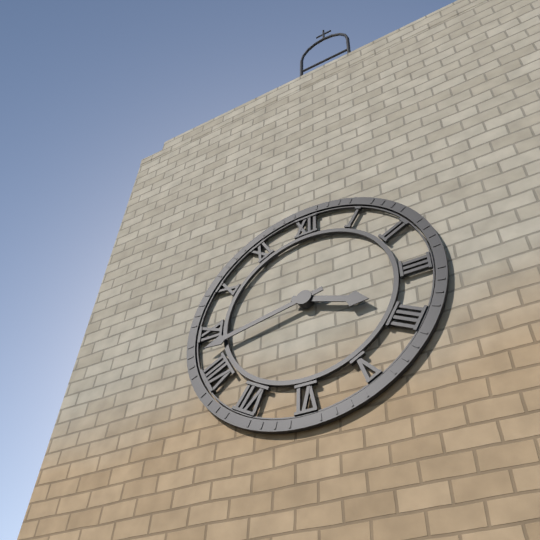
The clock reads 3.43
